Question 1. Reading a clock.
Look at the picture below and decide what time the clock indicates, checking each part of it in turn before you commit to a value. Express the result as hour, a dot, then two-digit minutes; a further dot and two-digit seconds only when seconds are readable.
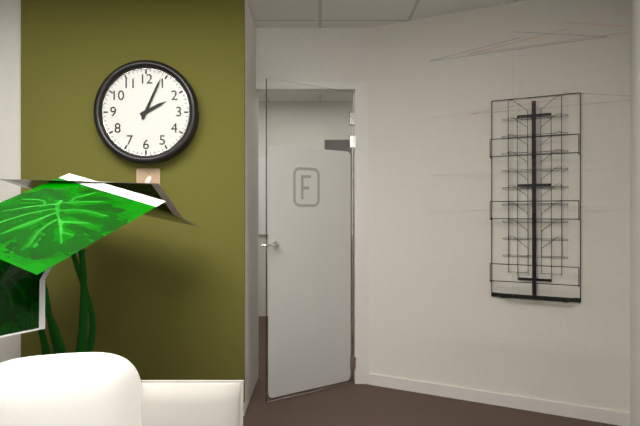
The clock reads 2.04
